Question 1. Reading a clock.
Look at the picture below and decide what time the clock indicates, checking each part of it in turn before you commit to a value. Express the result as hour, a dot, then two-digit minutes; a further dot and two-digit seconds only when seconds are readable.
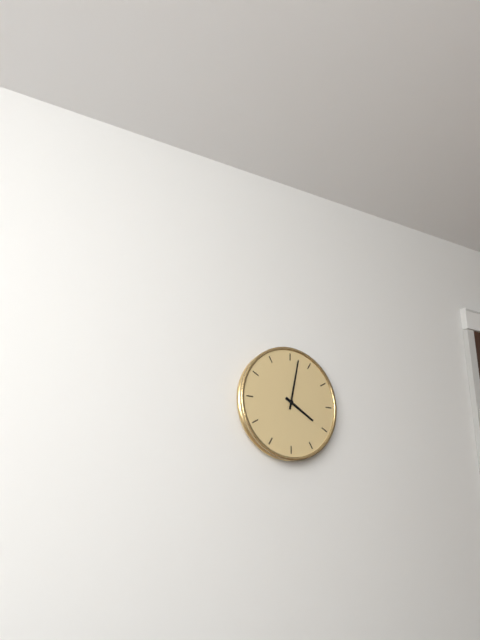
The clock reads 4.02
